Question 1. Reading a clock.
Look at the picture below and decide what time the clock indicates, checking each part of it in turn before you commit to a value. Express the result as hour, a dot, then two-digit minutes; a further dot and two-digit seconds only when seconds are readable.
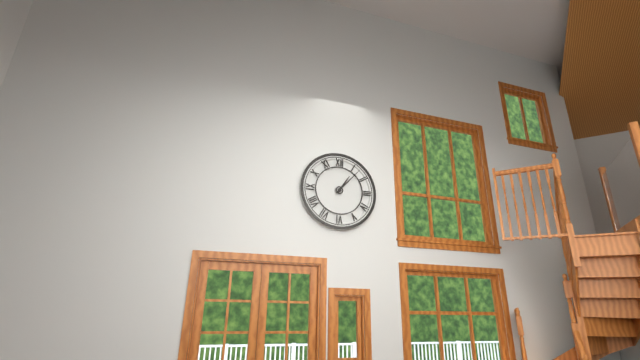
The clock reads 1.07
